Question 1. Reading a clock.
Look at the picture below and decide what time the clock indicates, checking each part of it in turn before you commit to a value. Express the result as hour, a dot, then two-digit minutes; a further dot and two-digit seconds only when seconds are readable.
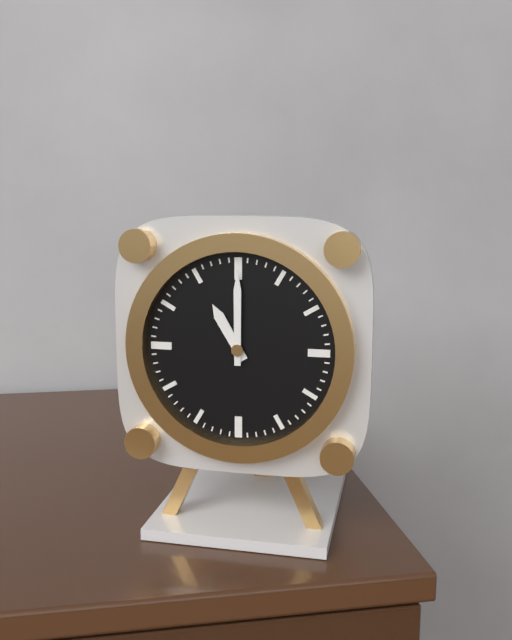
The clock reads 11.00
